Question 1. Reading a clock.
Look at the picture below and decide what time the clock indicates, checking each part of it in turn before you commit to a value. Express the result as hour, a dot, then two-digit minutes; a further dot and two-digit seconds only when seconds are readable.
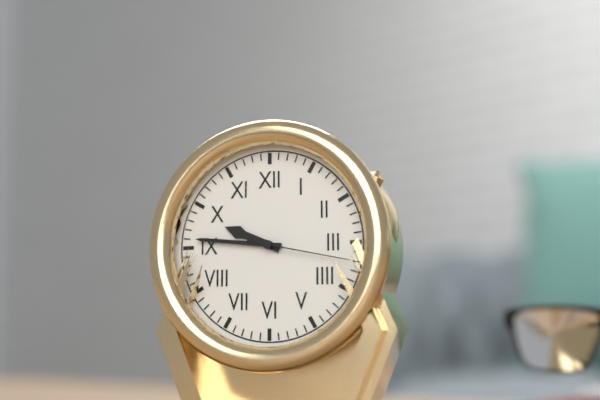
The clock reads 9.46.17
